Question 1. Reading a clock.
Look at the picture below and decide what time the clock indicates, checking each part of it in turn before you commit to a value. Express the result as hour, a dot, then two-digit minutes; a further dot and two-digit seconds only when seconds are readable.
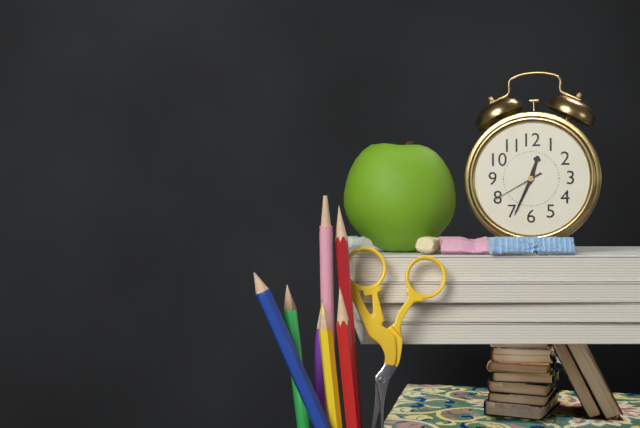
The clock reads 12.34.40
